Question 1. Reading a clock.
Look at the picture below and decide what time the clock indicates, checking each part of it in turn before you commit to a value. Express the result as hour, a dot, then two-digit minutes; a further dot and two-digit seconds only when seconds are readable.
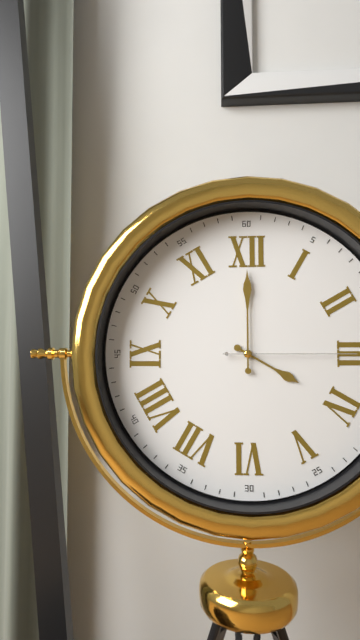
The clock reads 4.00.15
